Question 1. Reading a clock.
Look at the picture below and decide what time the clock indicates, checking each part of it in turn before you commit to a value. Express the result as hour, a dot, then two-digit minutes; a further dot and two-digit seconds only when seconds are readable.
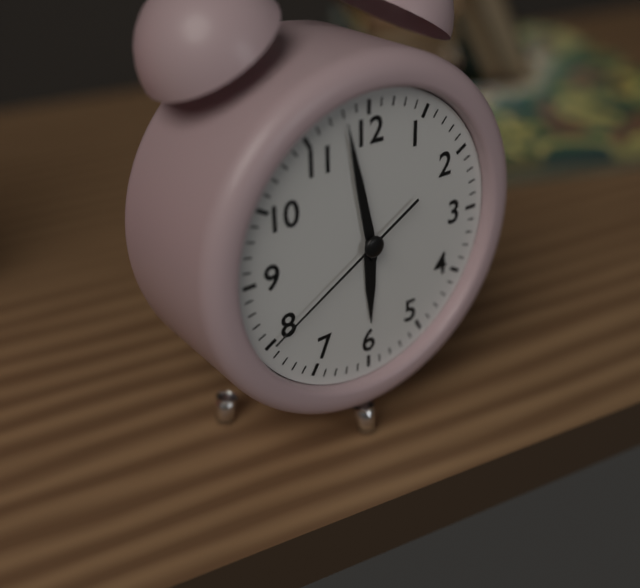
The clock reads 5.58.40
